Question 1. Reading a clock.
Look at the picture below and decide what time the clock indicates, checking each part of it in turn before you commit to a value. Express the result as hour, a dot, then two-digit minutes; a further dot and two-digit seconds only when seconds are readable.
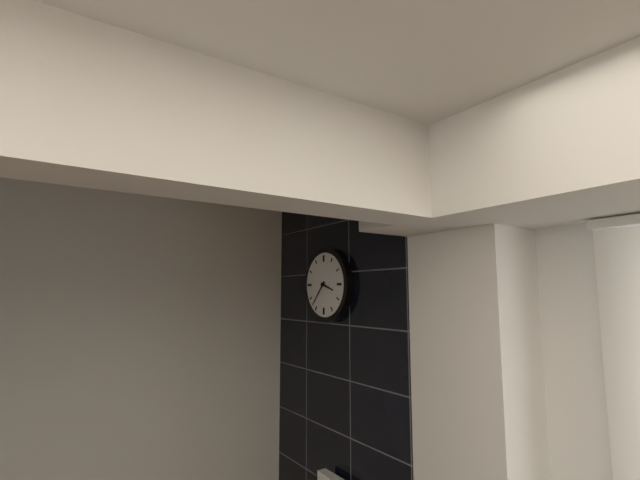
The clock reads 3.37
